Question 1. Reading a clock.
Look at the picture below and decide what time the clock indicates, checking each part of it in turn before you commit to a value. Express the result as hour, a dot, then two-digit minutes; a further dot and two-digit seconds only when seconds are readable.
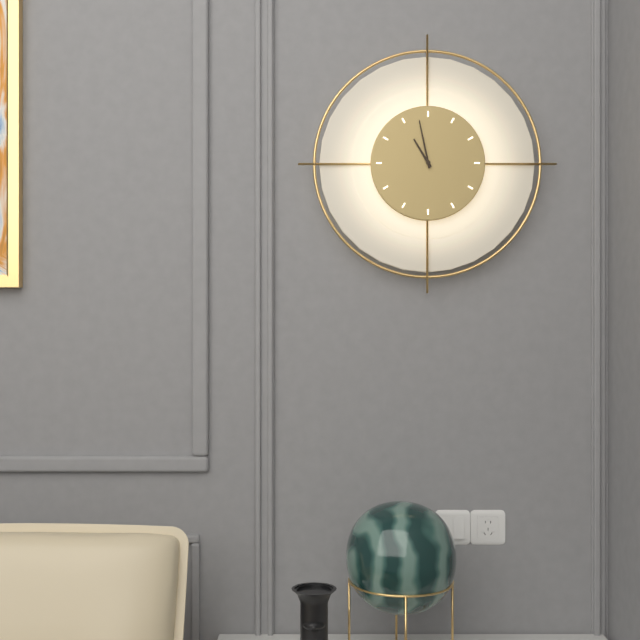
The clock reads 10.58
